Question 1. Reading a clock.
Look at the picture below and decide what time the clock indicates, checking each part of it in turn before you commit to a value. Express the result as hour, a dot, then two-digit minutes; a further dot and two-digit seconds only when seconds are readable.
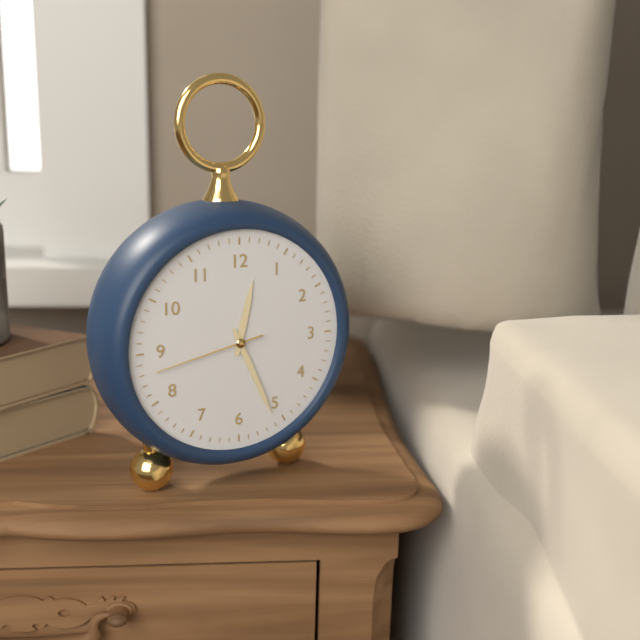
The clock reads 12.26.43
